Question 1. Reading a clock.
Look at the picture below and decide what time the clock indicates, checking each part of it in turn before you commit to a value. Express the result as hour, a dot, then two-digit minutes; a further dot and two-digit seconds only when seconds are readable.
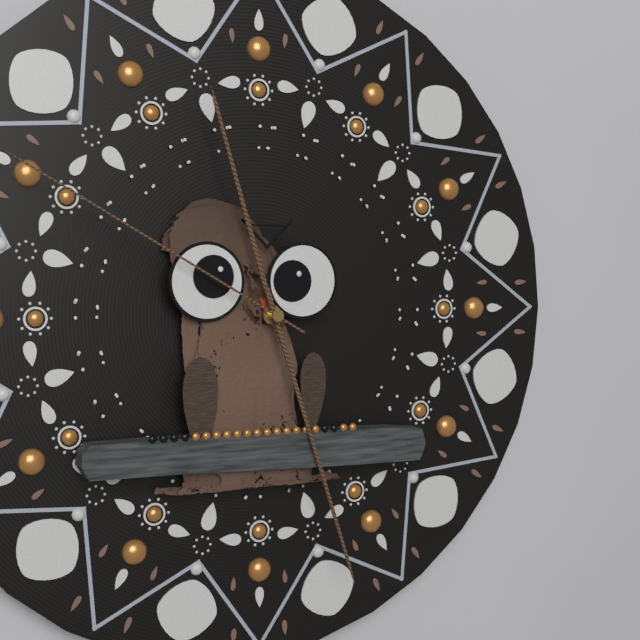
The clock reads 11.27.50
